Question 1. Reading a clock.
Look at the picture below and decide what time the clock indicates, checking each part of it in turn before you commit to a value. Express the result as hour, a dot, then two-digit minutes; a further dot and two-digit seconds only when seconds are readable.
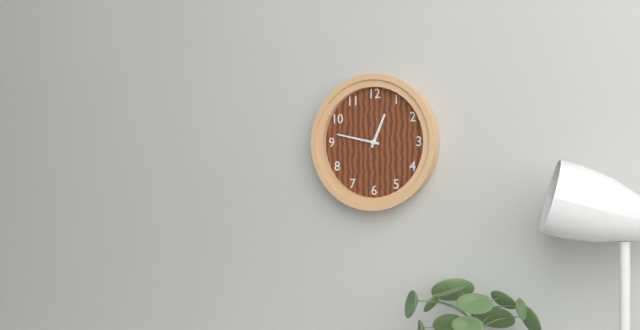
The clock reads 12.47
